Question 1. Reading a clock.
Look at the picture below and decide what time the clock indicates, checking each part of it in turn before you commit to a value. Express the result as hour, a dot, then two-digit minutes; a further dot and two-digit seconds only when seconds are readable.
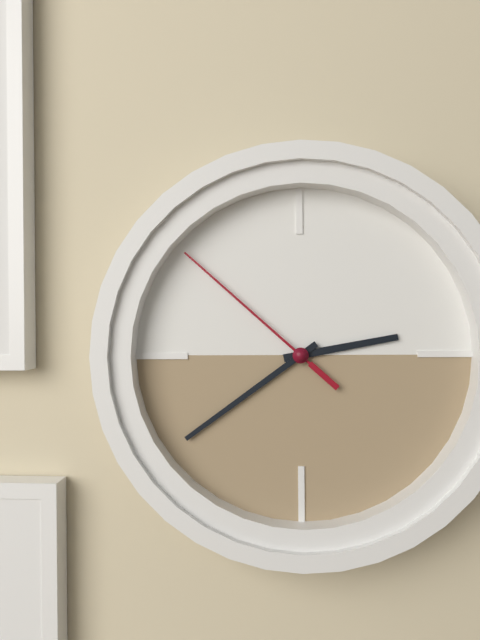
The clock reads 2.39.52
